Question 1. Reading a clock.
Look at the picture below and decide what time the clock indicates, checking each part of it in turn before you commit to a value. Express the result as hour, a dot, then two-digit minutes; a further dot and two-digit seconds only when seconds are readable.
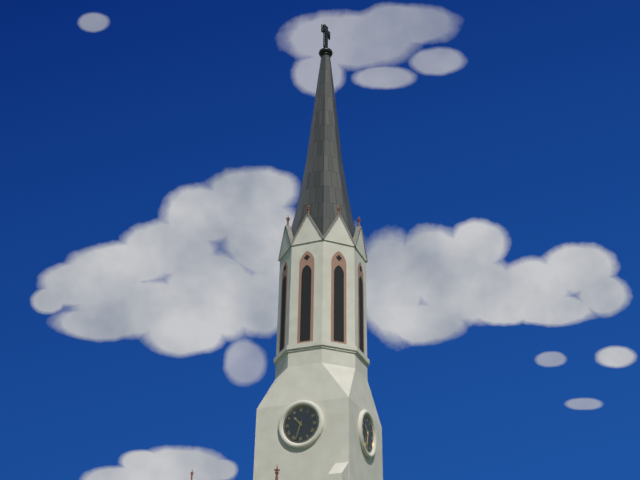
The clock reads 10.33
